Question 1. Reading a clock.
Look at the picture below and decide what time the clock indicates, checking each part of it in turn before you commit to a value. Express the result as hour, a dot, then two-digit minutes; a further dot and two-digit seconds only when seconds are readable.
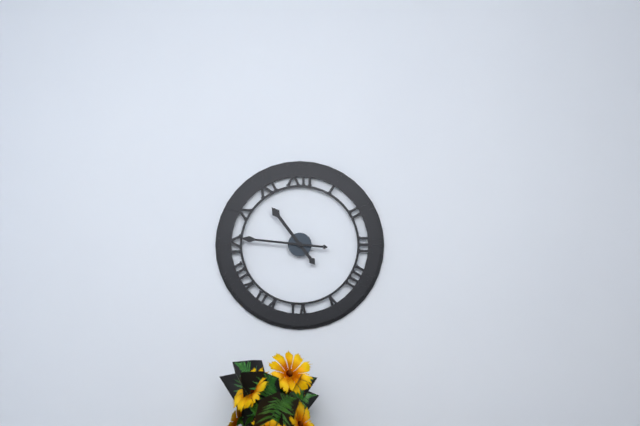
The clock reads 10.46
